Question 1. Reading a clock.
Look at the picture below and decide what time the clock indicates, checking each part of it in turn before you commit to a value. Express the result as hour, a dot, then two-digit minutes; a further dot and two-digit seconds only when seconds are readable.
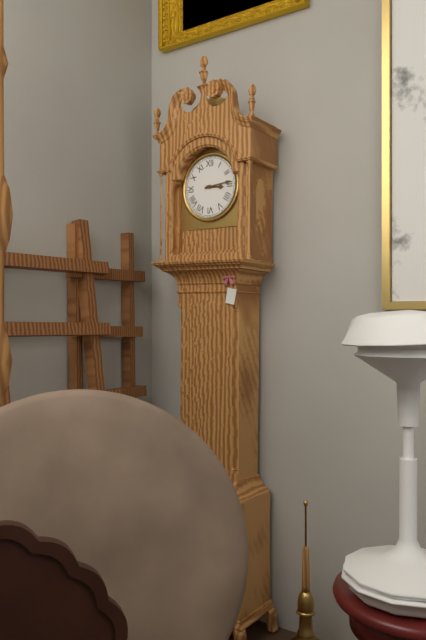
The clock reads 3.14
